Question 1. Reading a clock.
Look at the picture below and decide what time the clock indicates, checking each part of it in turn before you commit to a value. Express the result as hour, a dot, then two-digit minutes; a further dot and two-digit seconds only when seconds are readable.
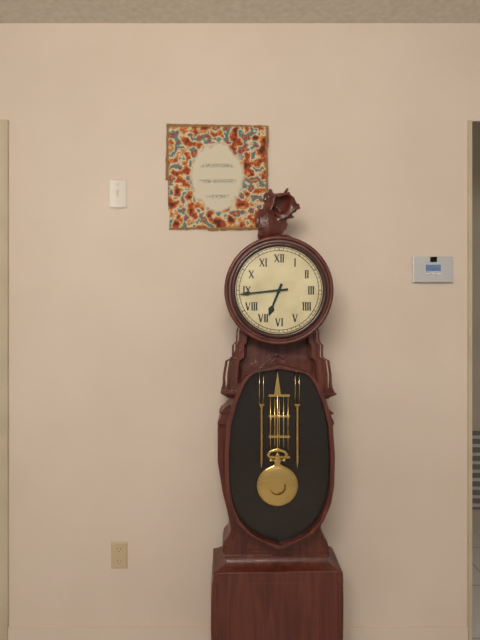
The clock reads 6.44
